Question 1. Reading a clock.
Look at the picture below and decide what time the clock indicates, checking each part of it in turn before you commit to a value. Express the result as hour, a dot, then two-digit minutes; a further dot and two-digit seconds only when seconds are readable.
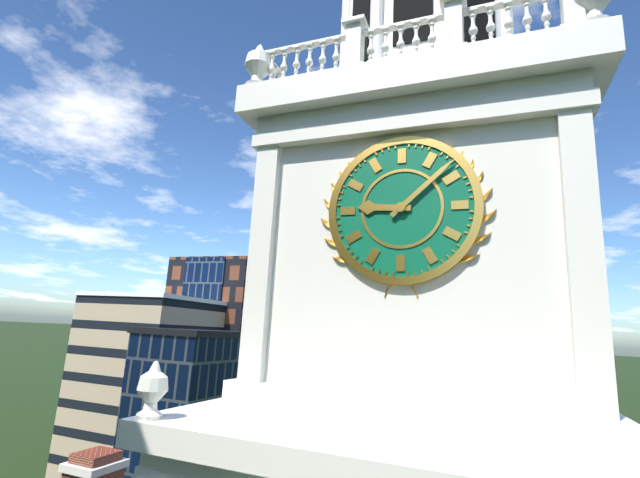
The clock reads 9.08
